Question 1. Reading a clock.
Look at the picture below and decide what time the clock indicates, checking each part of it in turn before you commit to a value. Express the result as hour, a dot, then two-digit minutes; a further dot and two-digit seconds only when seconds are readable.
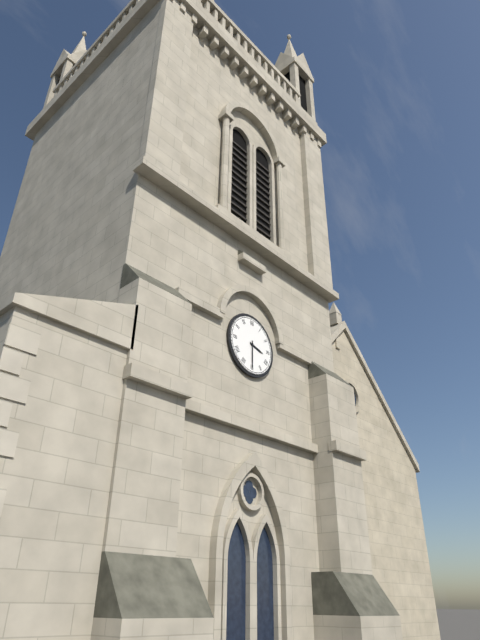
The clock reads 3.30
